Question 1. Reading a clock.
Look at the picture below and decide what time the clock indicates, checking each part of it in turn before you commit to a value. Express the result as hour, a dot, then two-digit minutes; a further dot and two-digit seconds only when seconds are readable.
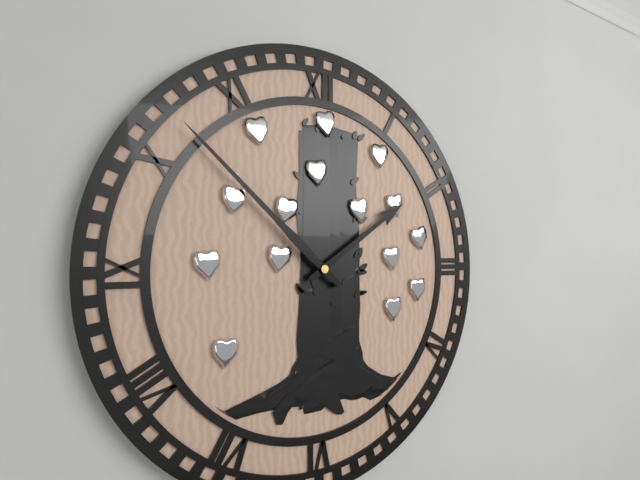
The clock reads 1.52
